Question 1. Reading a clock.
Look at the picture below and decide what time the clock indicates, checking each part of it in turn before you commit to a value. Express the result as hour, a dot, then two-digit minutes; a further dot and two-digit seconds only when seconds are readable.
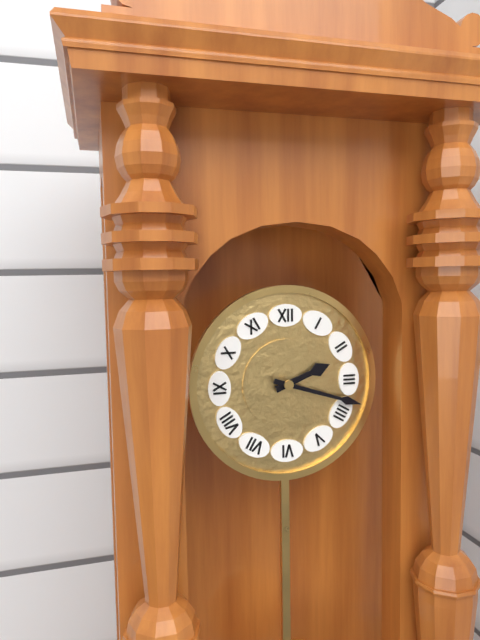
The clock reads 2.18
